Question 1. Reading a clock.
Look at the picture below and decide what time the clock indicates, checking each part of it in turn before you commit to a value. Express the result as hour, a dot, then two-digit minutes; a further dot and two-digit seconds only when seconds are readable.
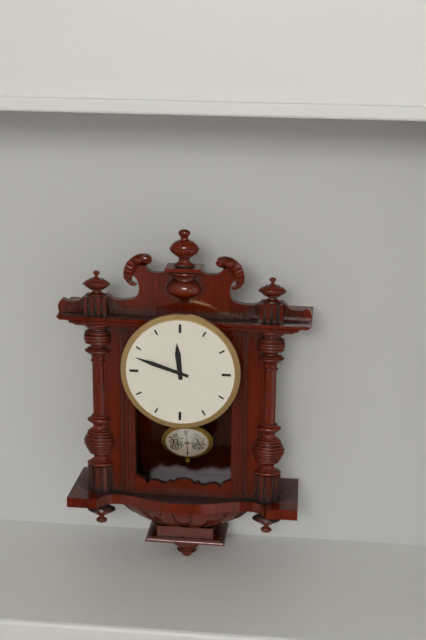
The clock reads 11.48
